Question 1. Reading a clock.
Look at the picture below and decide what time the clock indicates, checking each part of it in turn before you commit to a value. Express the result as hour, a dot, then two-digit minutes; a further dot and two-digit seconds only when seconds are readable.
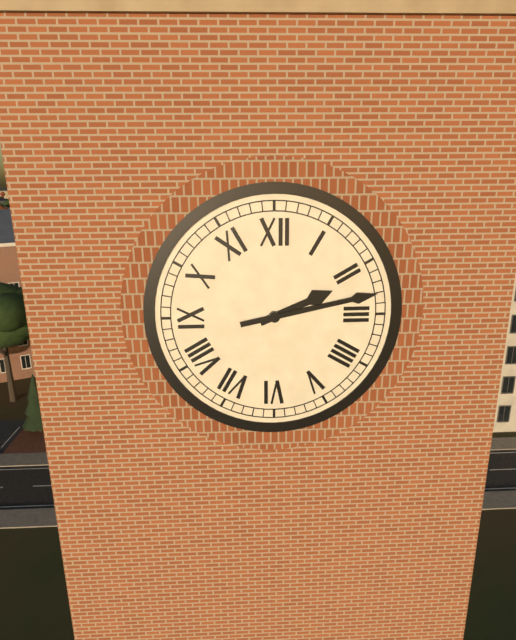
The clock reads 2.13
